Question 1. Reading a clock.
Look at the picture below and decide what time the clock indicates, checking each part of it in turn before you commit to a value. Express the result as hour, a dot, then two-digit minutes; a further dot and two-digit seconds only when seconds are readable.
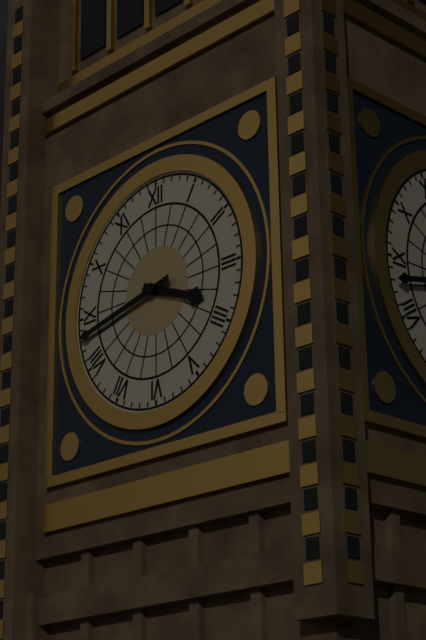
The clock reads 3.43
